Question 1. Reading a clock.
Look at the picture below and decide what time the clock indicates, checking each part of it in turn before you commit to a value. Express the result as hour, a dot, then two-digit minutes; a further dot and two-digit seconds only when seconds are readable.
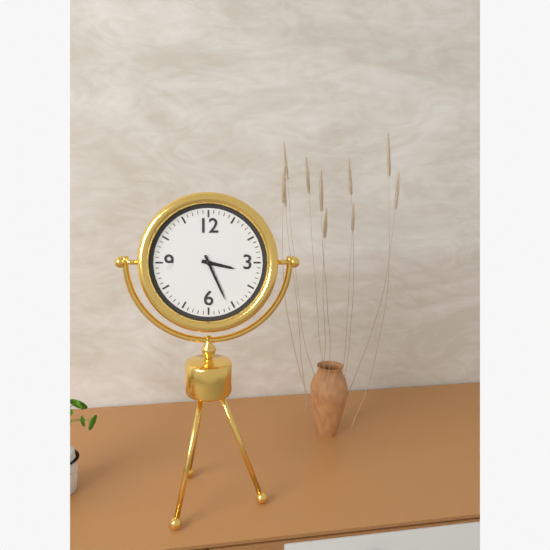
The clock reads 3.26
